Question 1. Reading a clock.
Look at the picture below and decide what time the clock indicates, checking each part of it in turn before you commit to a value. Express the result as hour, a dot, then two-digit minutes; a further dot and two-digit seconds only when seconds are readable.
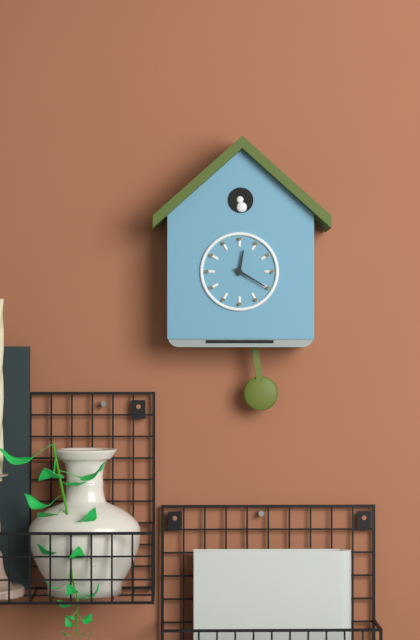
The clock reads 12.20
